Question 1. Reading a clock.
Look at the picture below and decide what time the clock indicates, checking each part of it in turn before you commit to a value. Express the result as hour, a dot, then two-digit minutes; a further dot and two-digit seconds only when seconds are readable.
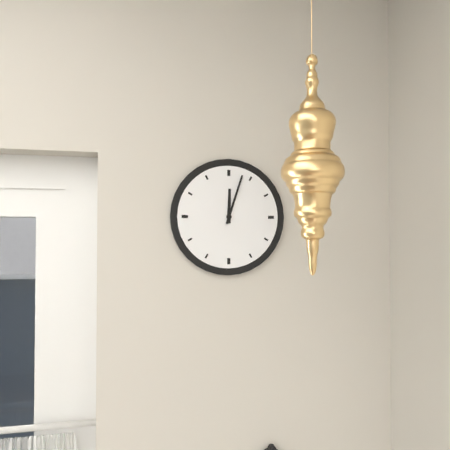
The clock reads 12.03
